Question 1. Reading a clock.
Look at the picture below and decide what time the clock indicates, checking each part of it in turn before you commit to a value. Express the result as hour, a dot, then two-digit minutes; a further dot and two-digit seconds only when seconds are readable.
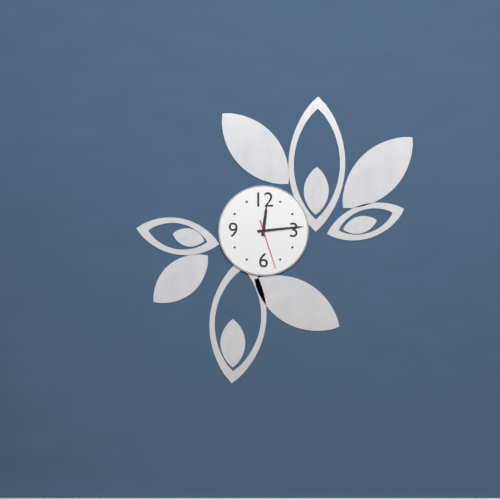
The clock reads 12.14
